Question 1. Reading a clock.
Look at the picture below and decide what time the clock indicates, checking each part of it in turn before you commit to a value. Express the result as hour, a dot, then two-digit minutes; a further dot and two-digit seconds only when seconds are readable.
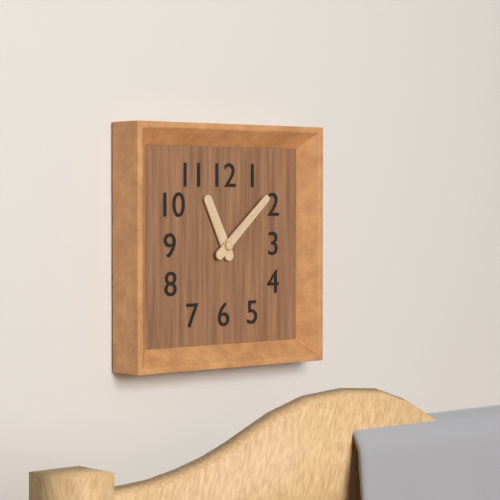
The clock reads 11.08
